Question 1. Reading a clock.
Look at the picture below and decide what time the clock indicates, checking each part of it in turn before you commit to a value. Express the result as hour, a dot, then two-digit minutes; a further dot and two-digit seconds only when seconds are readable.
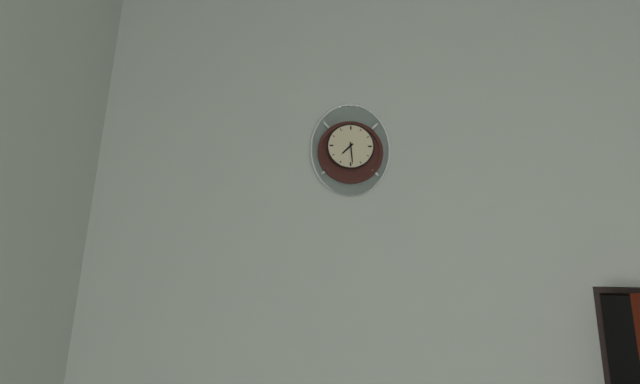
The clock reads 7.29
